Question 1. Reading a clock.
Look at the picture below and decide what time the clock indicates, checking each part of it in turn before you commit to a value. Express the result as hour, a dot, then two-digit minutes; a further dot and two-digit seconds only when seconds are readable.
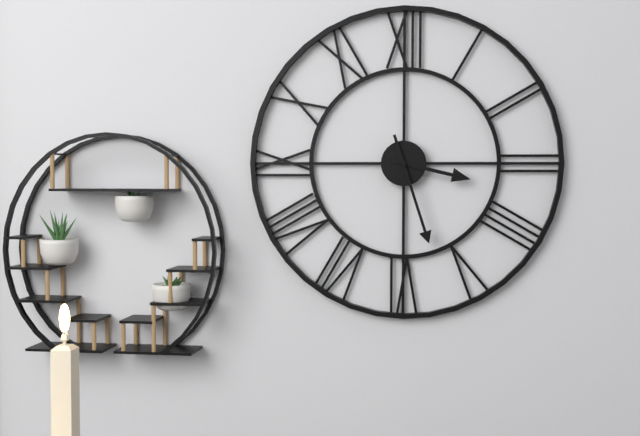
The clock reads 3.27
